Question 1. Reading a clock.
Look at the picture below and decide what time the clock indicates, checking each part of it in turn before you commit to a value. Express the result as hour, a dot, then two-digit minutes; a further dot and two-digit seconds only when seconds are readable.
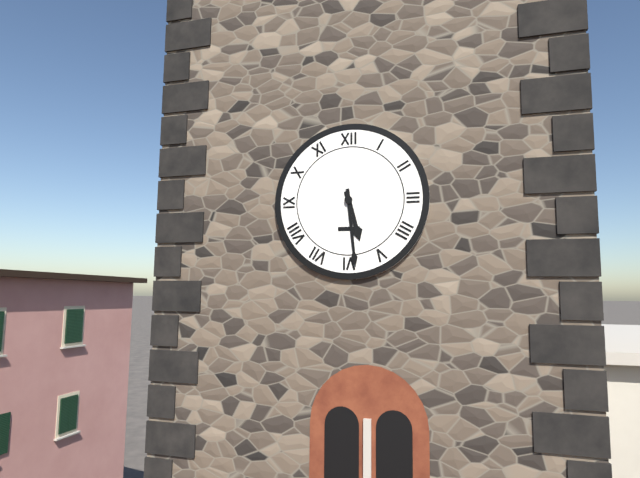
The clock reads 5.29
